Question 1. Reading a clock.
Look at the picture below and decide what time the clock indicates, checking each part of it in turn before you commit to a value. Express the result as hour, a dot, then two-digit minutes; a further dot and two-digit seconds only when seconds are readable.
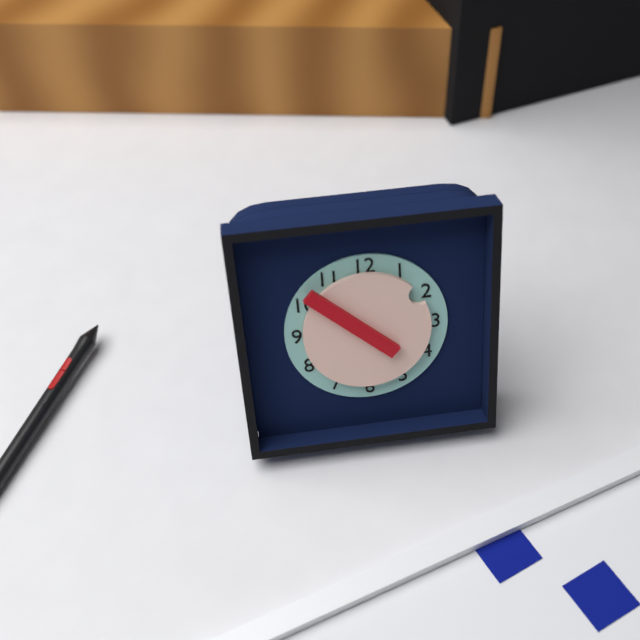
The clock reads 1.52
